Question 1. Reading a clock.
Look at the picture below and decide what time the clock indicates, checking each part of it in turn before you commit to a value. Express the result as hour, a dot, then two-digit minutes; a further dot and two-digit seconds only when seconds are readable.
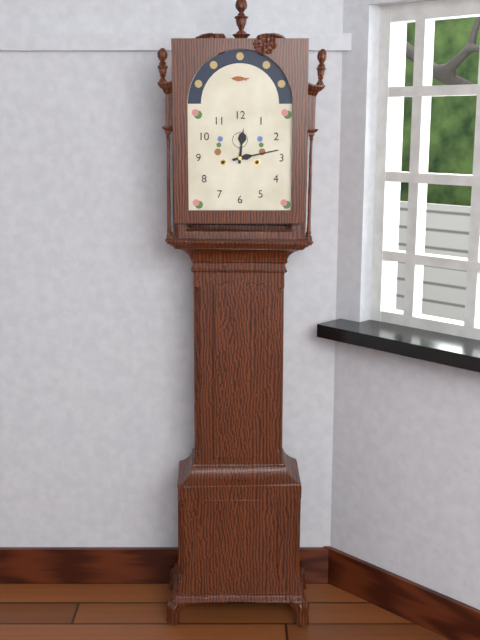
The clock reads 12.13
